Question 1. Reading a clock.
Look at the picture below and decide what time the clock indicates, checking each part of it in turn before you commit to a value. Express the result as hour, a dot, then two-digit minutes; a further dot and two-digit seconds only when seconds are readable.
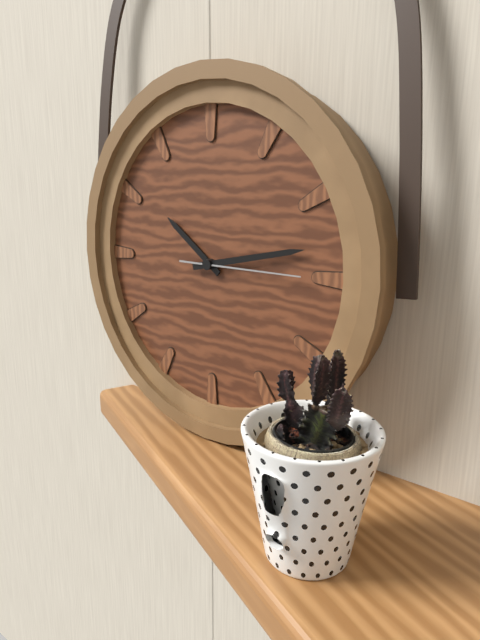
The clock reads 10.13.15
